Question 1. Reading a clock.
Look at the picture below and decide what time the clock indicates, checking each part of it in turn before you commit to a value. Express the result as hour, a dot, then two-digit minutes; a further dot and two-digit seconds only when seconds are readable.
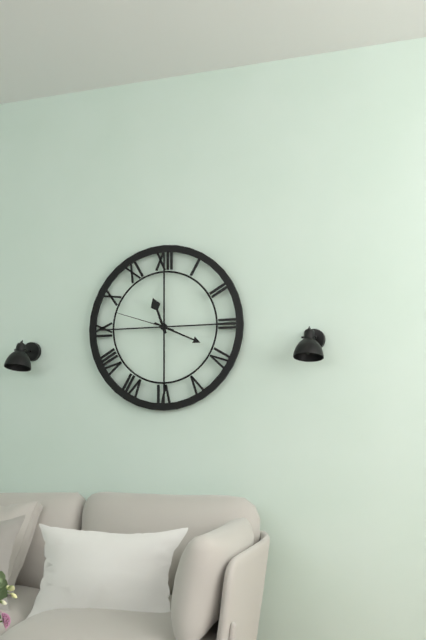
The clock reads 11.19.48
